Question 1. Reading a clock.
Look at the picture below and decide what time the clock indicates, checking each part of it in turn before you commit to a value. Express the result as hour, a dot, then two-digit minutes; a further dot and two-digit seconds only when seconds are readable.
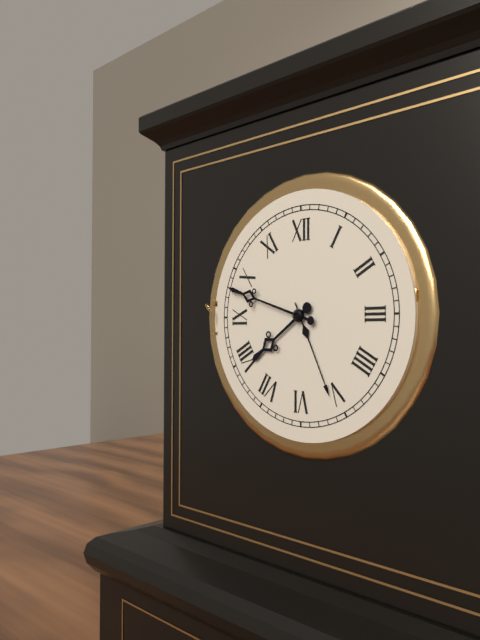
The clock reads 7.48
